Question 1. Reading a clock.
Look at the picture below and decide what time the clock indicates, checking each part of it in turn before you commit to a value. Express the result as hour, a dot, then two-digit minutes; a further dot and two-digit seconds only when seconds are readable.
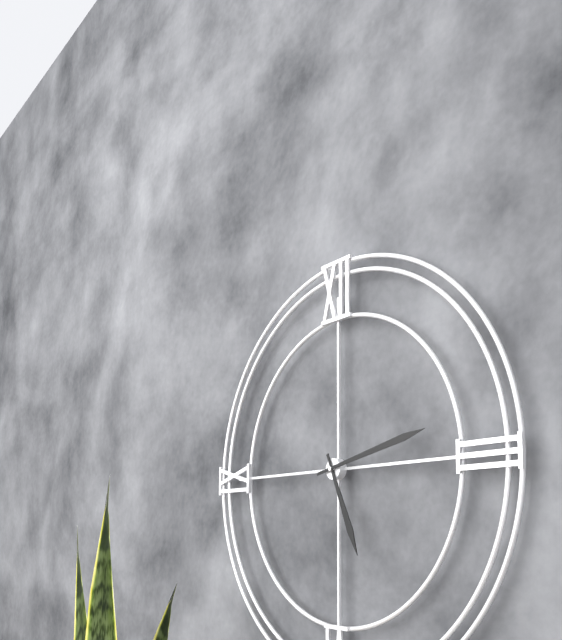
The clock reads 5.13
